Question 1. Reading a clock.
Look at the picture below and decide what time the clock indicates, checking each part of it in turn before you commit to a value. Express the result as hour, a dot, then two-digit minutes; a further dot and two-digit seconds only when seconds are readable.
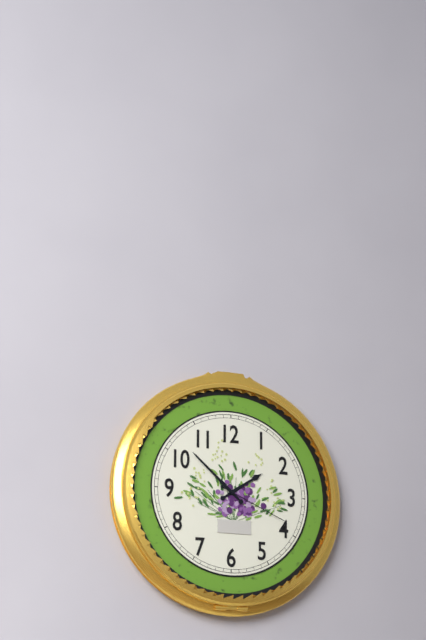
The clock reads 1.52.19
